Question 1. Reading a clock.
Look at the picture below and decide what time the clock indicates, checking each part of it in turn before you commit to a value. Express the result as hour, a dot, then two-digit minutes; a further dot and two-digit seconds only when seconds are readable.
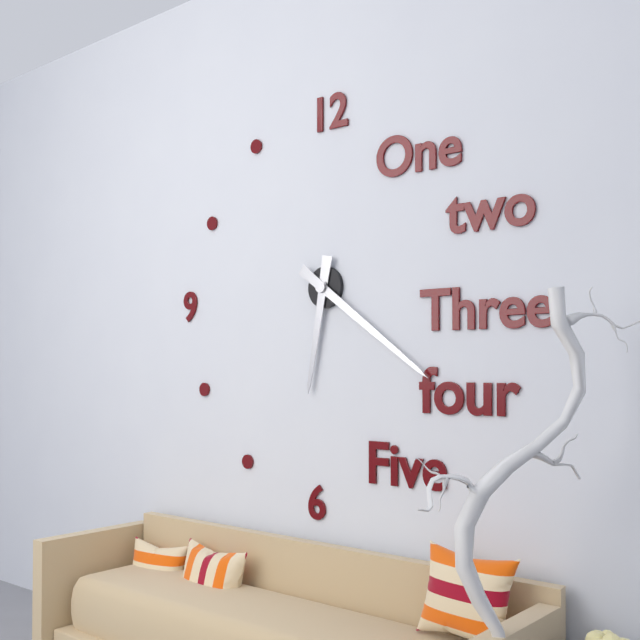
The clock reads 6.21
